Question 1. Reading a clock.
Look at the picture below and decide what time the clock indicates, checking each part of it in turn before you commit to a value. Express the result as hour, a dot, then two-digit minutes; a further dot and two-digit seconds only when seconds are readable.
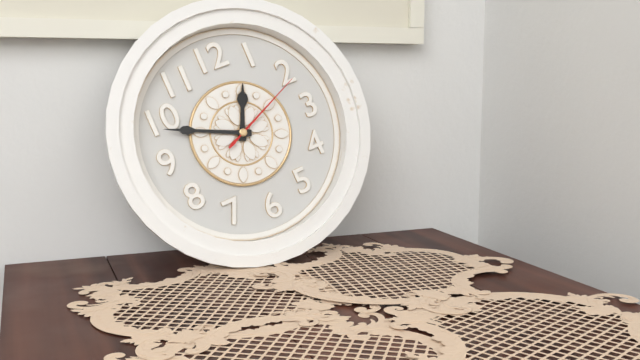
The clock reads 12.49.11
